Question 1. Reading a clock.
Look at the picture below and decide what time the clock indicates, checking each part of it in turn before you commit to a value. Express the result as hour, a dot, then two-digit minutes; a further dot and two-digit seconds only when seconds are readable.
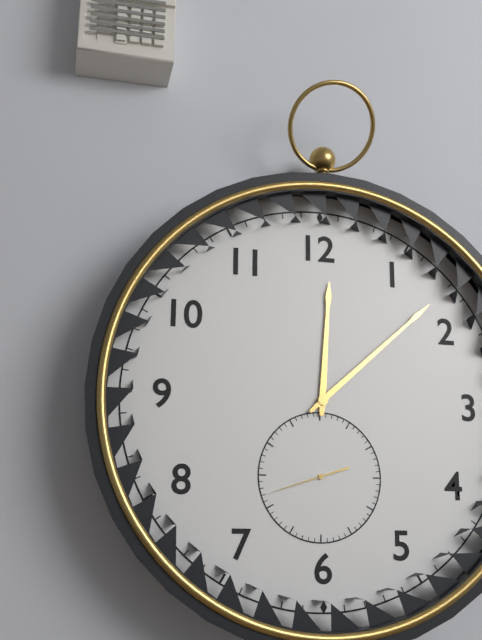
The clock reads 12.08.42
